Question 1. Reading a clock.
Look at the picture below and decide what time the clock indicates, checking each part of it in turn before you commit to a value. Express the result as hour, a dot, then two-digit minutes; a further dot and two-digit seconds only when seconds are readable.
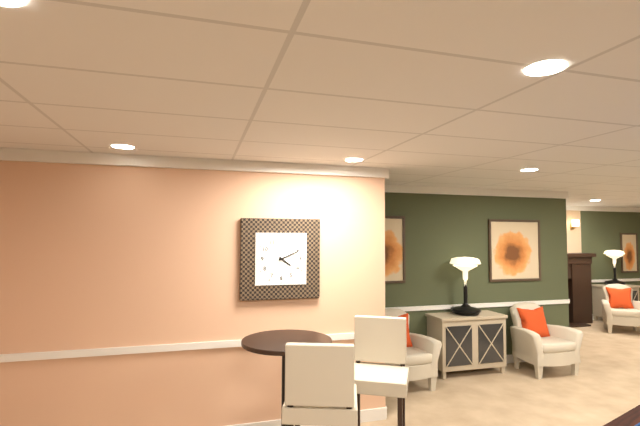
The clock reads 4.11
